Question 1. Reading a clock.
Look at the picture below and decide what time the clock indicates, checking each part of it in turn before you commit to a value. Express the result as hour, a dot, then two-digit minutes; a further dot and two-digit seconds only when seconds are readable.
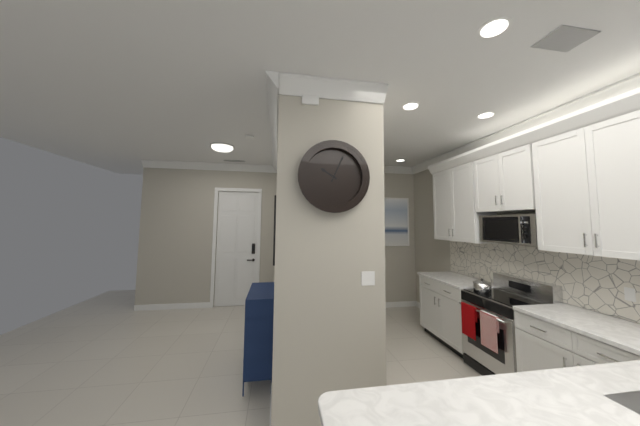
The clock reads 10.04
